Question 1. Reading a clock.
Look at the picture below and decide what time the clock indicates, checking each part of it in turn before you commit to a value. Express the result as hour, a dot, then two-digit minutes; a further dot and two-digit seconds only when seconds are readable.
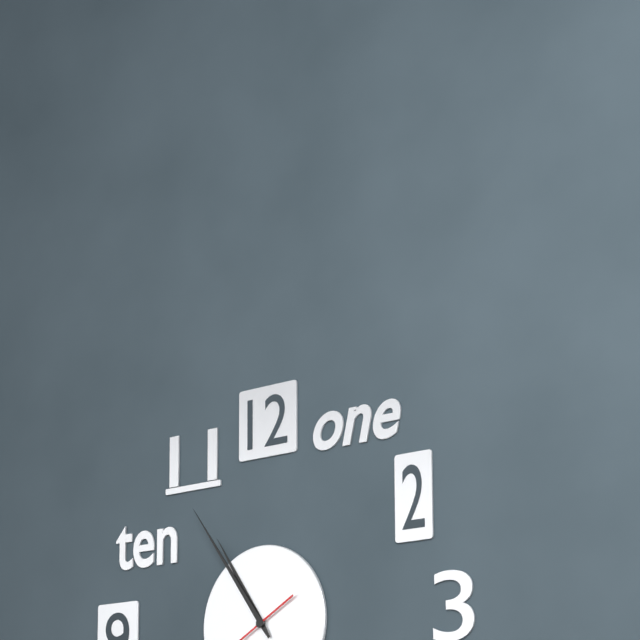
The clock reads 10.54
